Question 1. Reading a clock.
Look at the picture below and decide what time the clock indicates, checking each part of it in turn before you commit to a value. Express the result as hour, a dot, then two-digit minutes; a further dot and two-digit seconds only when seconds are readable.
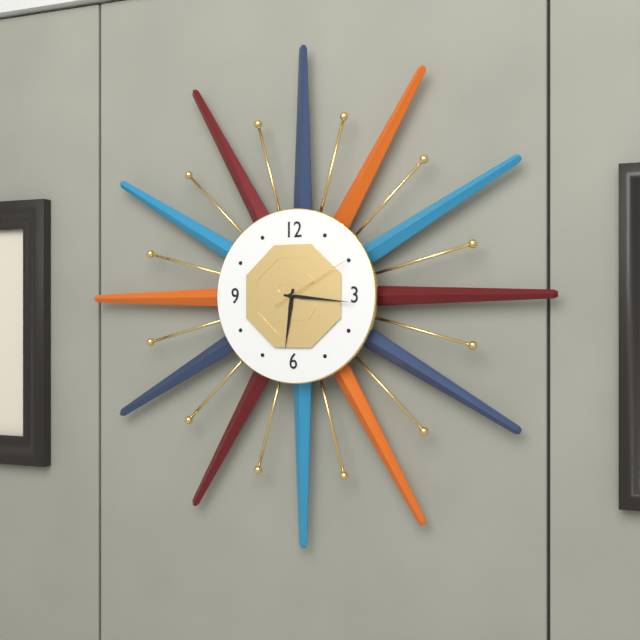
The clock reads 6.16.10
